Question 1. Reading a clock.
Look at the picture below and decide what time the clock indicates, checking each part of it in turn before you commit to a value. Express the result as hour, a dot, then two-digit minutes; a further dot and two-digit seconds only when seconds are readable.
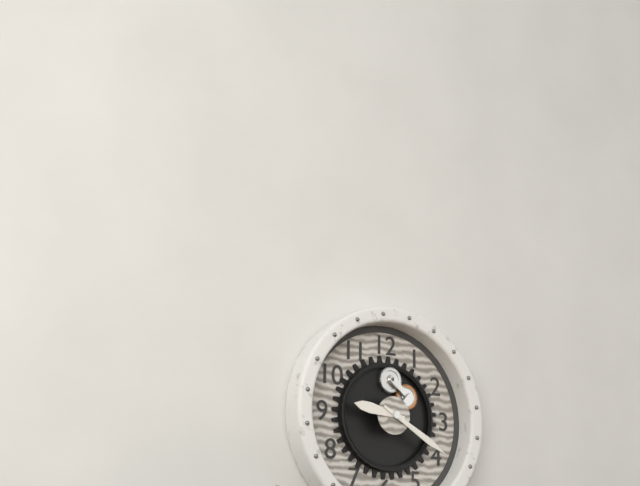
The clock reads 9.20
